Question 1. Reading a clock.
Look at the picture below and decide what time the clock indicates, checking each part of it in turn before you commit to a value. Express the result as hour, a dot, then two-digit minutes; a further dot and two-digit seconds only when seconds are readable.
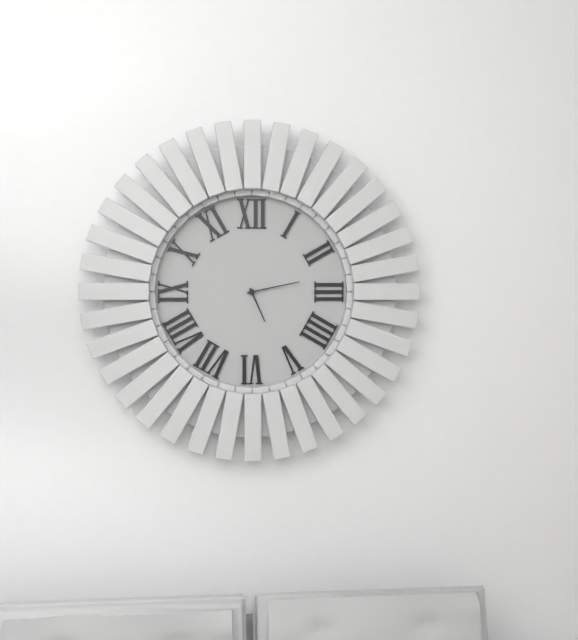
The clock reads 5.13
